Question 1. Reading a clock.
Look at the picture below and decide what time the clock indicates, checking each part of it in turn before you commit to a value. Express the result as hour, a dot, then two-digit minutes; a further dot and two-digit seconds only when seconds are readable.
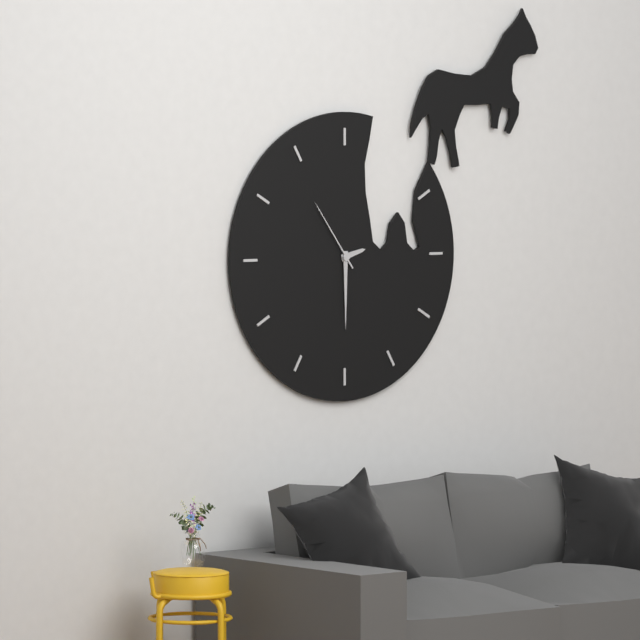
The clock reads 2.30.54
